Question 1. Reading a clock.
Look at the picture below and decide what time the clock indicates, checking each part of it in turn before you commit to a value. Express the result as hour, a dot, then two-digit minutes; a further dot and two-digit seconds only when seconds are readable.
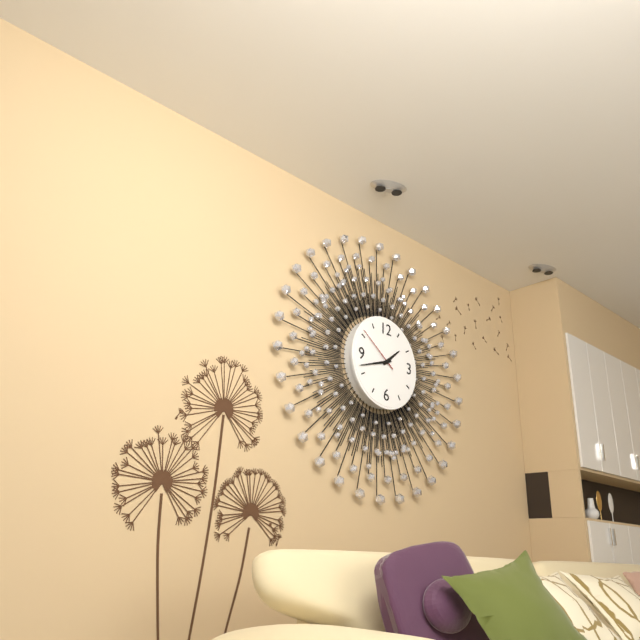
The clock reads 1.42
